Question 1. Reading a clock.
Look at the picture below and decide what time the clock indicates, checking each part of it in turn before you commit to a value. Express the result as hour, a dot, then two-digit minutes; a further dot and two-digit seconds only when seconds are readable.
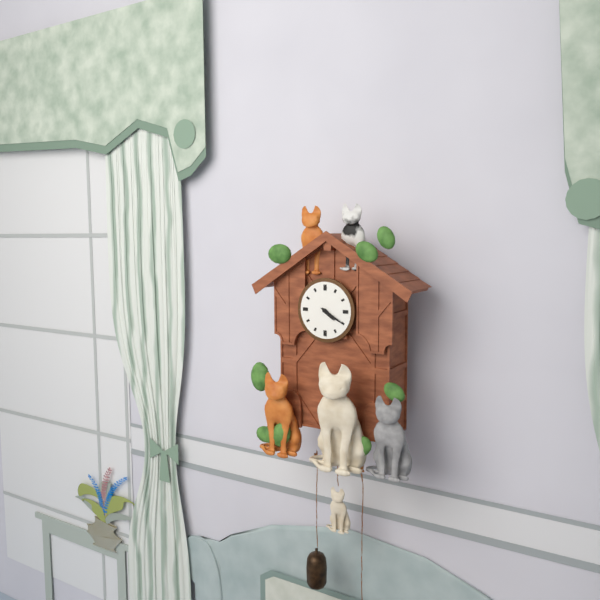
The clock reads 4.20
